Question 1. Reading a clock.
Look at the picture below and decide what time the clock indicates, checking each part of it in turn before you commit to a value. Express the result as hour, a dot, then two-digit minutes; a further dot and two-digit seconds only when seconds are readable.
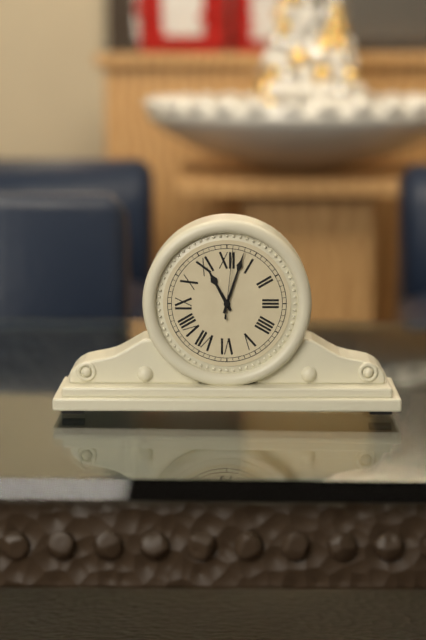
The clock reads 11.03.01
